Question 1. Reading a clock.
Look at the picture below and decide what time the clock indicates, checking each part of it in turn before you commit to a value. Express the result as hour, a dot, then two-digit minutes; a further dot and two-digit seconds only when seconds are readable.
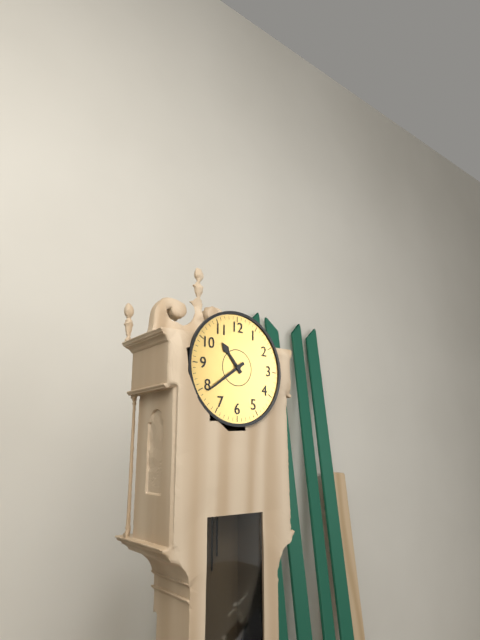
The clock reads 10.39
